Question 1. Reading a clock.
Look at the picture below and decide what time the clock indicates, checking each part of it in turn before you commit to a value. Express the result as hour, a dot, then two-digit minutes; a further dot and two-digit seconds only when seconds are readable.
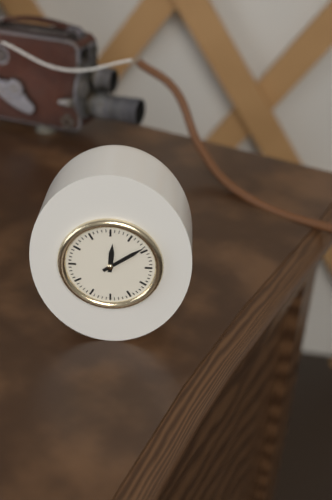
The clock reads 12.09
